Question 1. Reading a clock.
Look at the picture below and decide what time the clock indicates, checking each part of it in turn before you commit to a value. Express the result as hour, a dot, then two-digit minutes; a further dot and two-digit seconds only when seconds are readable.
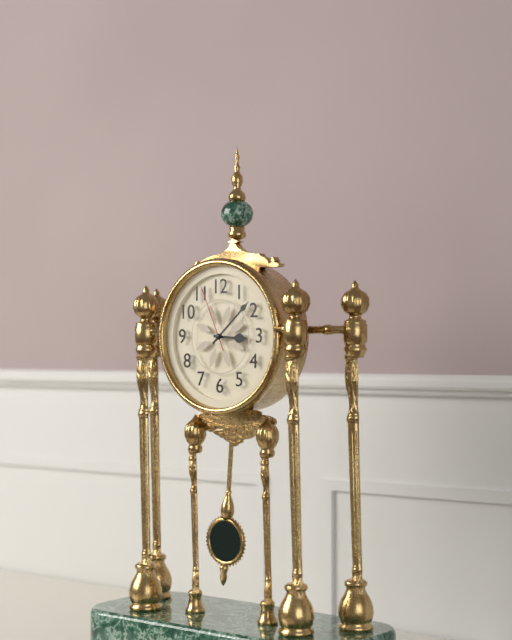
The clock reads 3.08.56
